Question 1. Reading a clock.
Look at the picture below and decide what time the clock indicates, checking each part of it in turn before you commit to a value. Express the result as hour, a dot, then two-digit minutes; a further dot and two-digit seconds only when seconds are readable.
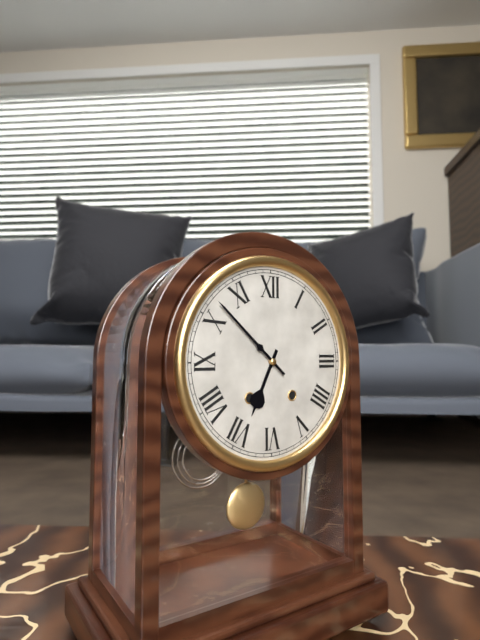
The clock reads 6.52
